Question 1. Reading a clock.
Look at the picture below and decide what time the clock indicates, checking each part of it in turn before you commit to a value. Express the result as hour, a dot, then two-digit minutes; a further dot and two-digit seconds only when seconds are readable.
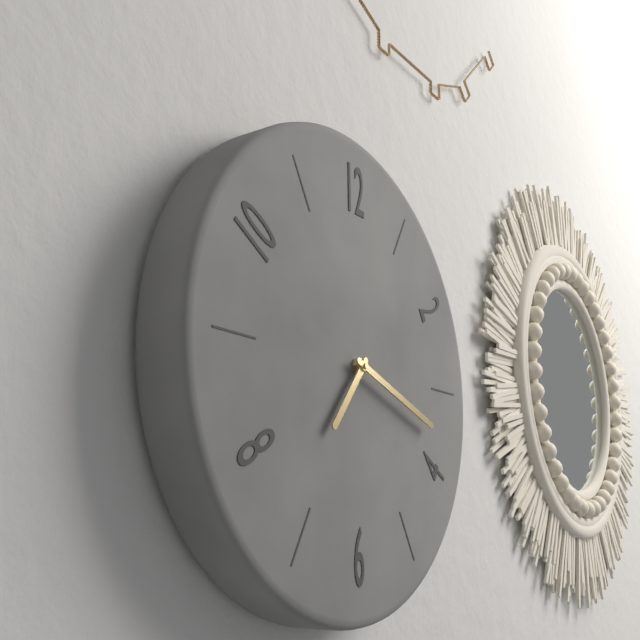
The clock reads 7.18
